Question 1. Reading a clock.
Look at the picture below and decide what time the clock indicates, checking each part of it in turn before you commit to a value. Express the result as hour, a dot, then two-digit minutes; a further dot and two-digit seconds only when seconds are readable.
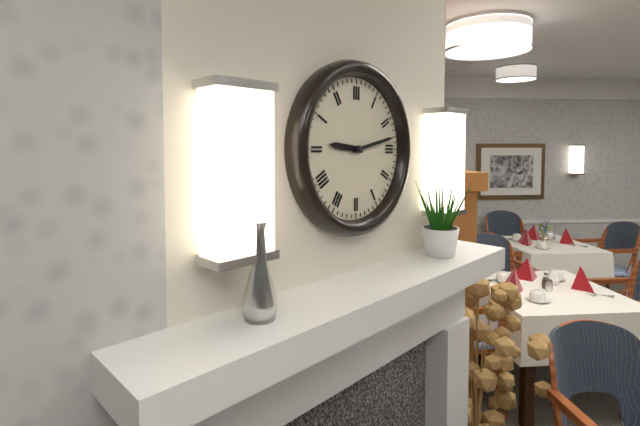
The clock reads 9.13
